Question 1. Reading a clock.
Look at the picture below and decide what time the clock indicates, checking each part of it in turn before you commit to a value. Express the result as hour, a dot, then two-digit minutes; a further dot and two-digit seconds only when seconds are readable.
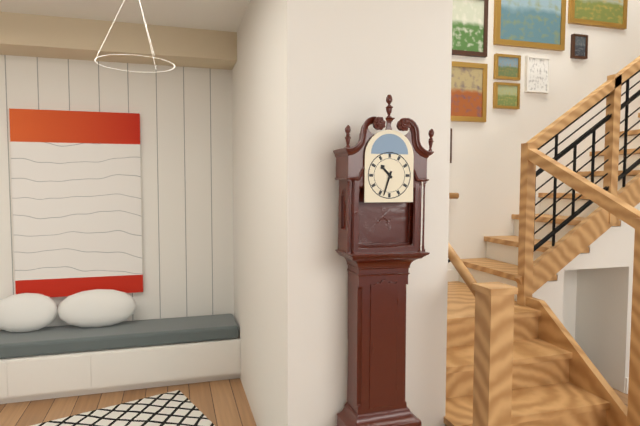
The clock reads 10.33
